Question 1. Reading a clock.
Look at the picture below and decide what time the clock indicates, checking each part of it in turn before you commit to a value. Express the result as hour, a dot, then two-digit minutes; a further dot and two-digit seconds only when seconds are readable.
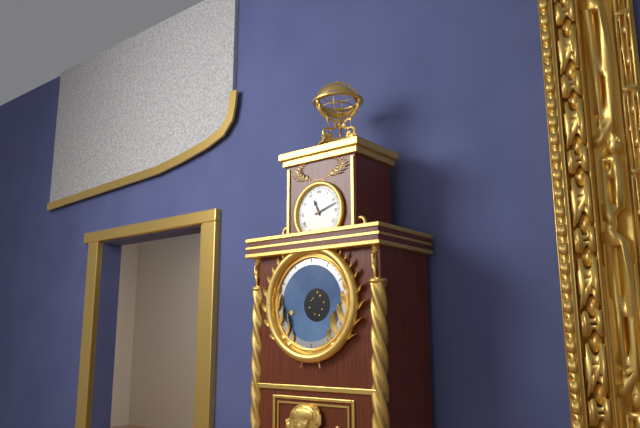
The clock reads 11.12
